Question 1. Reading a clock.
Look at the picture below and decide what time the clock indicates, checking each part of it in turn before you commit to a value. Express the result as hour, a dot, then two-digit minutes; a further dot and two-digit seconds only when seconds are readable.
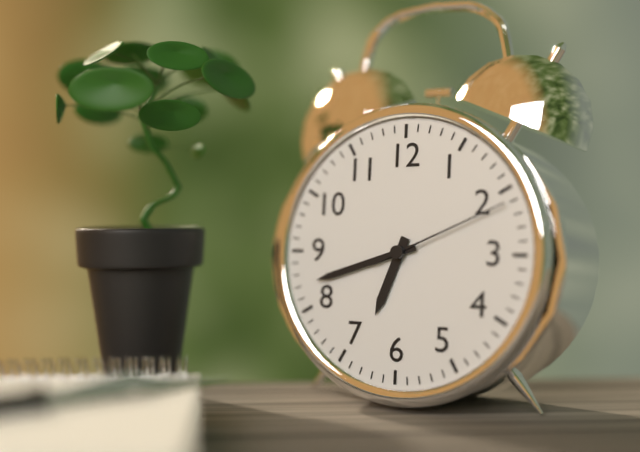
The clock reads 6.42.11
